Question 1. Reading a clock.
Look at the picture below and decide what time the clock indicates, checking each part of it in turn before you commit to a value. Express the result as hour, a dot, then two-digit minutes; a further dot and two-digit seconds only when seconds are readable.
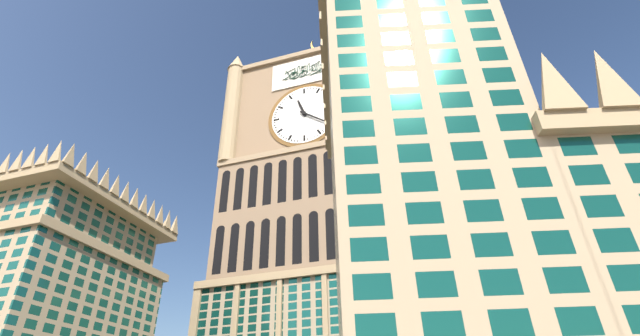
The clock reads 11.21
